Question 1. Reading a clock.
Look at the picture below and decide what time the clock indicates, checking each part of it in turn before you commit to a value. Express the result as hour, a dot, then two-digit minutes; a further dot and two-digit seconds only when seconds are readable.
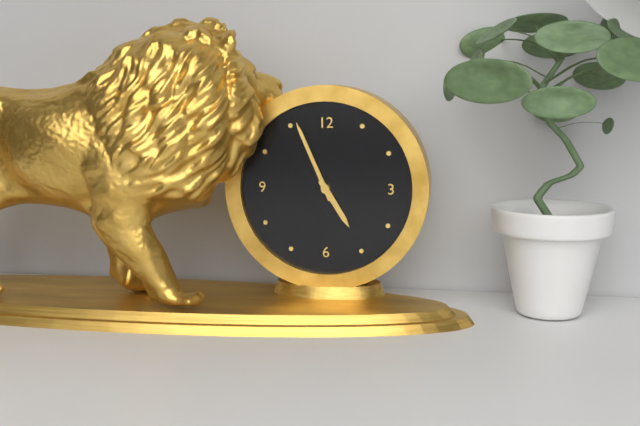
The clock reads 4.56
